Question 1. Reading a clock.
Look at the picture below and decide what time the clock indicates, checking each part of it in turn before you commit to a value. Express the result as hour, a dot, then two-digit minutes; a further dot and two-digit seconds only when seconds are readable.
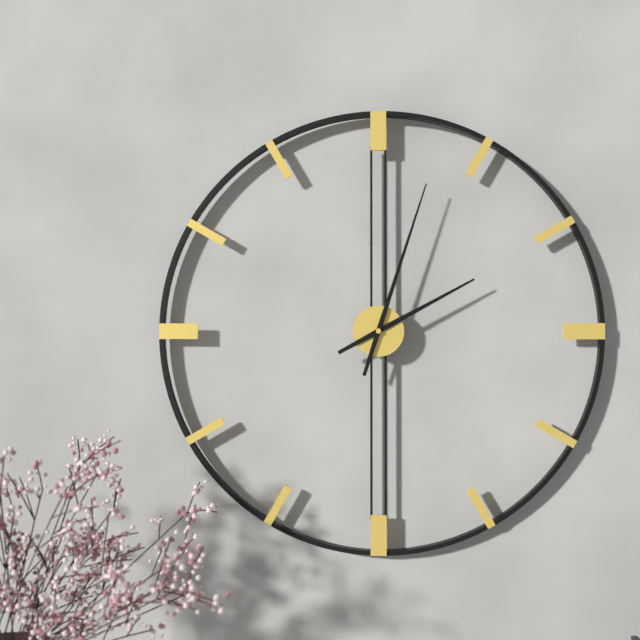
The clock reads 2.03
